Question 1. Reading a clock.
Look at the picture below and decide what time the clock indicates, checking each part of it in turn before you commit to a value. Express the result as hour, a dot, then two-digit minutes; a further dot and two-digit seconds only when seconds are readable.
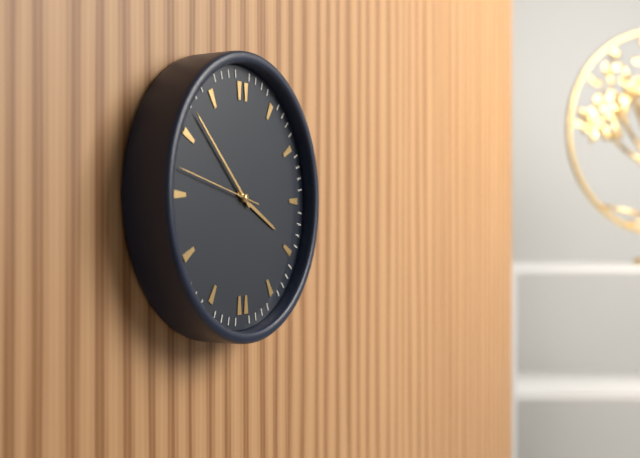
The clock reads 3.52.47
